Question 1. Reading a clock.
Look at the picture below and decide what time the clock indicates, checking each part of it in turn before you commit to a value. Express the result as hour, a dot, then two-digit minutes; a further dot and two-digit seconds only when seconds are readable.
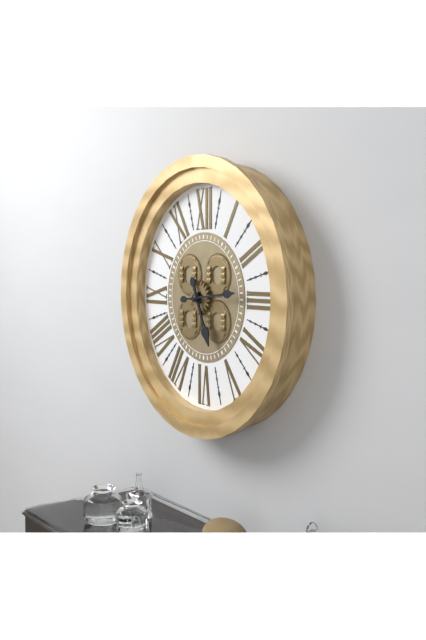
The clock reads 5.14
